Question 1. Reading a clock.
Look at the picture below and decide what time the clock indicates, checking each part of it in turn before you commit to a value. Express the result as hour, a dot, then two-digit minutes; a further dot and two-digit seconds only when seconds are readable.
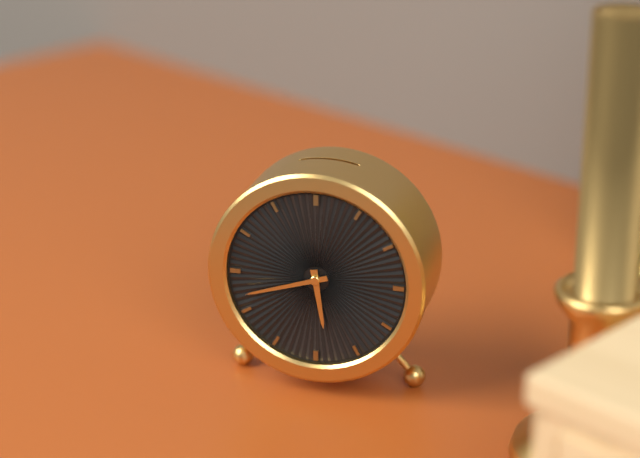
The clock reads 5.42
